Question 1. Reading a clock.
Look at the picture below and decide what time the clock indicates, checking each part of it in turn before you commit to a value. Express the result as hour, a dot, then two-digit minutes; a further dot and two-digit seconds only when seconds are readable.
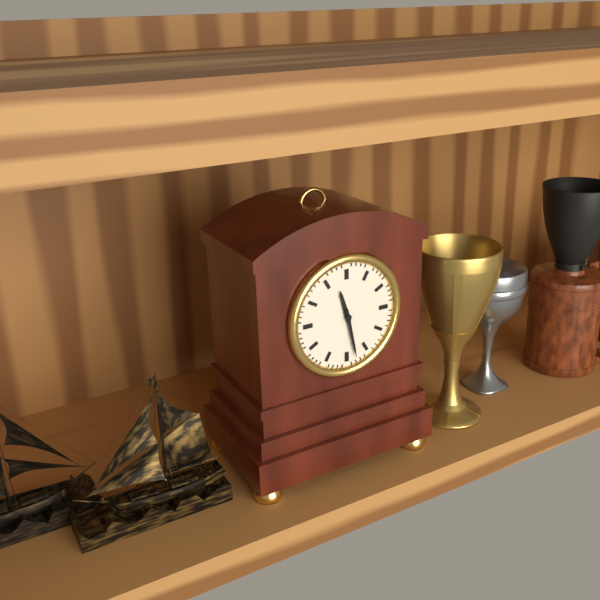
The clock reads 11.28
